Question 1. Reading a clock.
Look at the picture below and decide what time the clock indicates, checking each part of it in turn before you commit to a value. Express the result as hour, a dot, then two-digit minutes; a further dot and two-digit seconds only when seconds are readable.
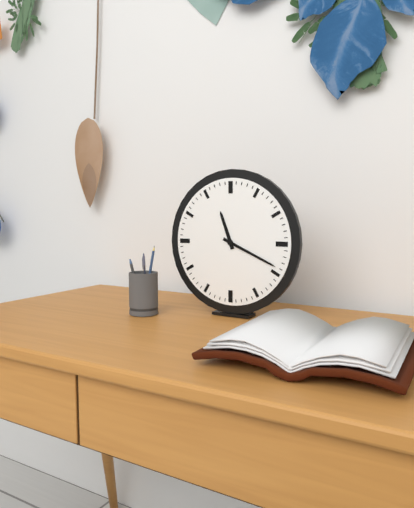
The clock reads 11.19
